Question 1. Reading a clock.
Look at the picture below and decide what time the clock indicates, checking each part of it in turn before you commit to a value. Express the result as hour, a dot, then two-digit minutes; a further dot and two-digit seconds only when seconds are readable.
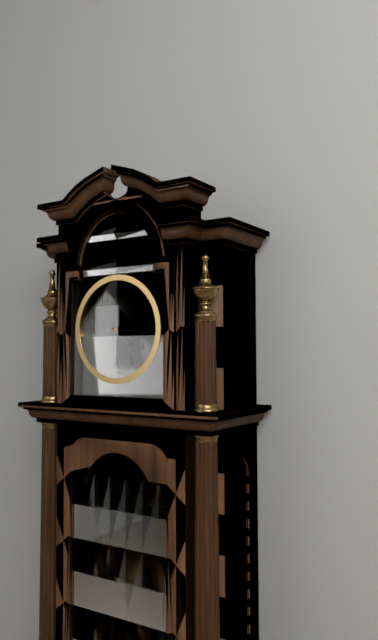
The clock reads 4.16
